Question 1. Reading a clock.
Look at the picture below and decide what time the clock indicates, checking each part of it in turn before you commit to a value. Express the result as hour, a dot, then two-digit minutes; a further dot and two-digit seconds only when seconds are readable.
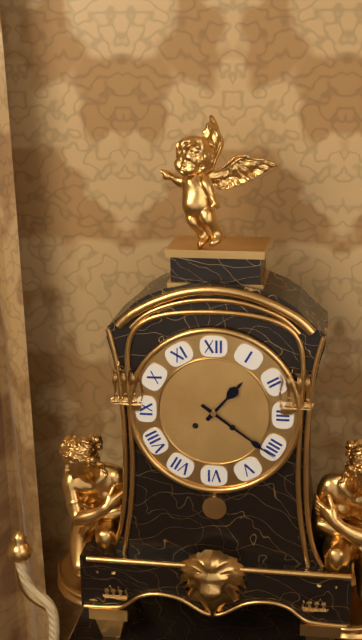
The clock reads 1.21
